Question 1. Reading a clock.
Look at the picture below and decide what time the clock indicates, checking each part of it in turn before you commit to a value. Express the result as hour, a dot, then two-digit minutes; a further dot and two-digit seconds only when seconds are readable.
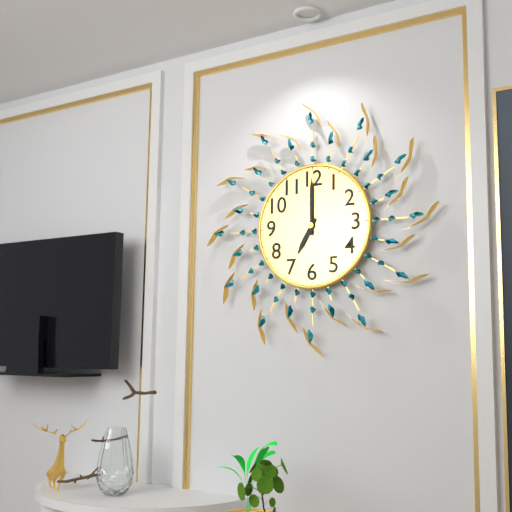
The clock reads 7.00
